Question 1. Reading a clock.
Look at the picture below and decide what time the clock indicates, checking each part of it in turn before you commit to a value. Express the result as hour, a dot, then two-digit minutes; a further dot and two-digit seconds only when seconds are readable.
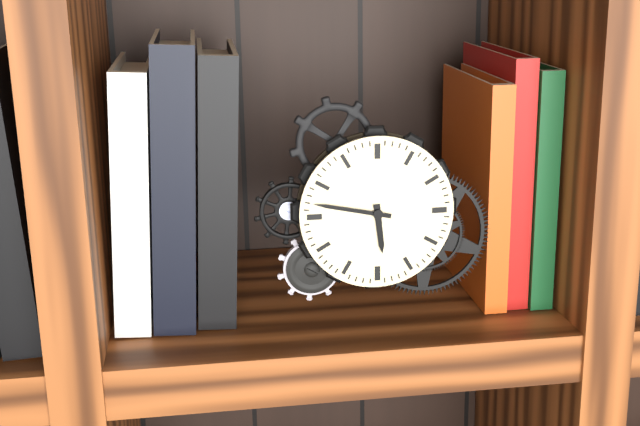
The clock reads 5.47
